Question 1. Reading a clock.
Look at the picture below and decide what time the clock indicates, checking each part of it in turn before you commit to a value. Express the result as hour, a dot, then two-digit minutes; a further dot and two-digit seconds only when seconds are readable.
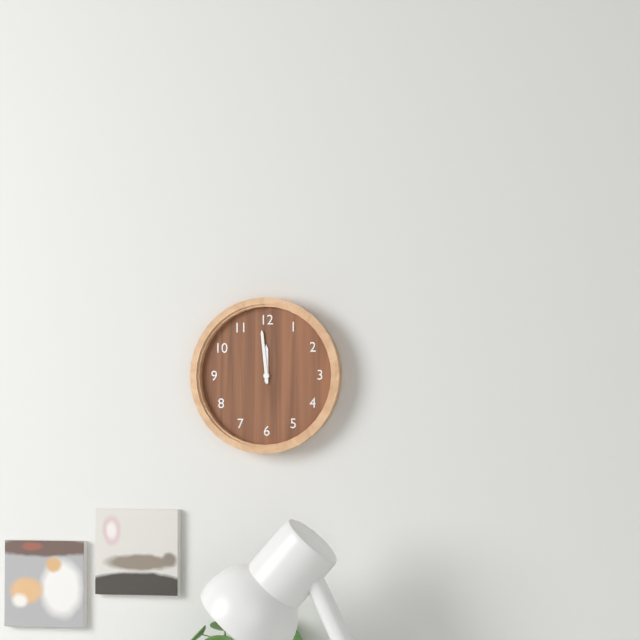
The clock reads 11.59
